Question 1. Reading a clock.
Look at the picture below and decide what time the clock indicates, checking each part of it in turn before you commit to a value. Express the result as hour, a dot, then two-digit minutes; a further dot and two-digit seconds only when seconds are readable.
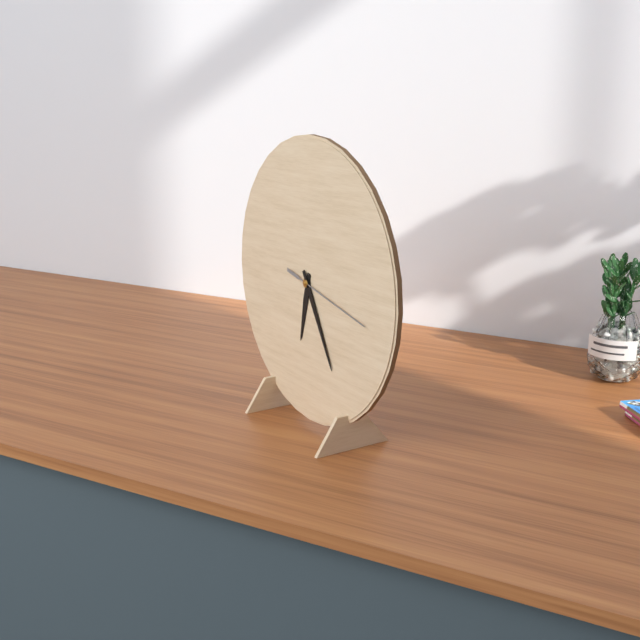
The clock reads 6.25.17
